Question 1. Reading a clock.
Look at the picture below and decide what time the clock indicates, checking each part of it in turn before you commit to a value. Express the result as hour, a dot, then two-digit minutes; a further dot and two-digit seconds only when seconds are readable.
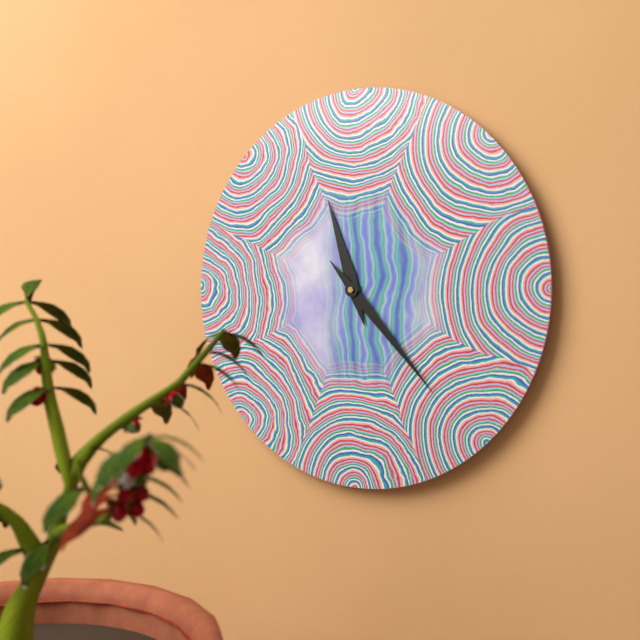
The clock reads 11.23
